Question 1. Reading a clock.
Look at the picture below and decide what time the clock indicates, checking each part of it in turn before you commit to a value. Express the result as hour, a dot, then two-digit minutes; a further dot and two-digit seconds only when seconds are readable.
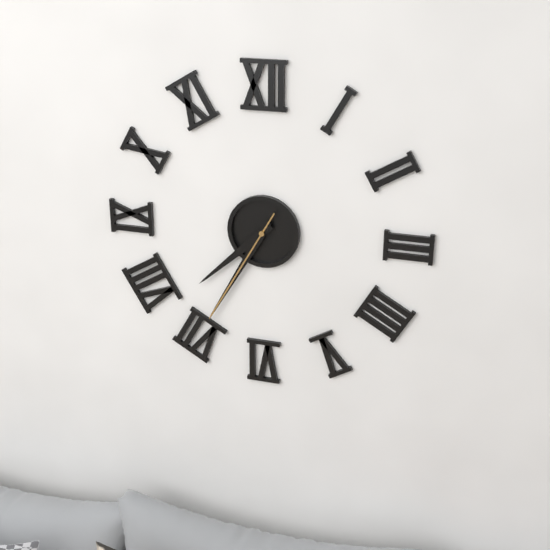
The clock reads 7.35.35
